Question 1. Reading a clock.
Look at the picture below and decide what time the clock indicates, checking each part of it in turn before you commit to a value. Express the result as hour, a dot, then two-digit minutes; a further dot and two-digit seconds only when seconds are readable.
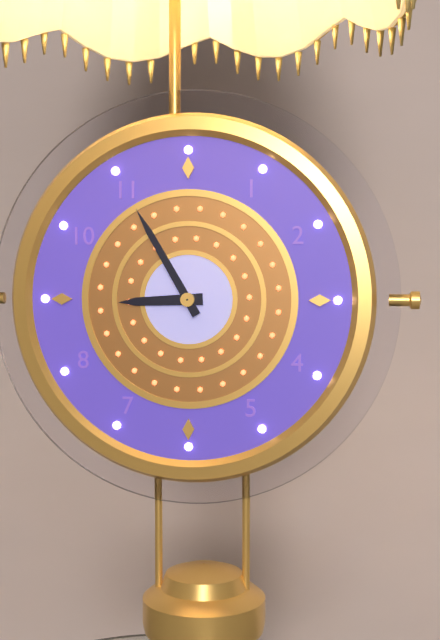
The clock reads 8.55
